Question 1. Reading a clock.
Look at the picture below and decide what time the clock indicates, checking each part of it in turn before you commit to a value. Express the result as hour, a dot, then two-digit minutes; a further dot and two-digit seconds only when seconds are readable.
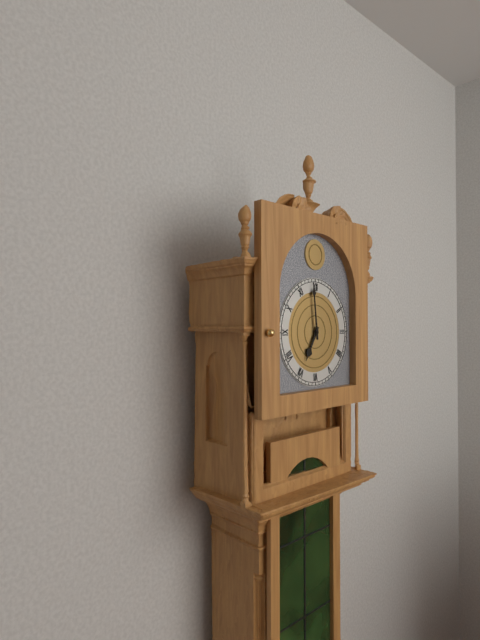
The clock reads 6.59
